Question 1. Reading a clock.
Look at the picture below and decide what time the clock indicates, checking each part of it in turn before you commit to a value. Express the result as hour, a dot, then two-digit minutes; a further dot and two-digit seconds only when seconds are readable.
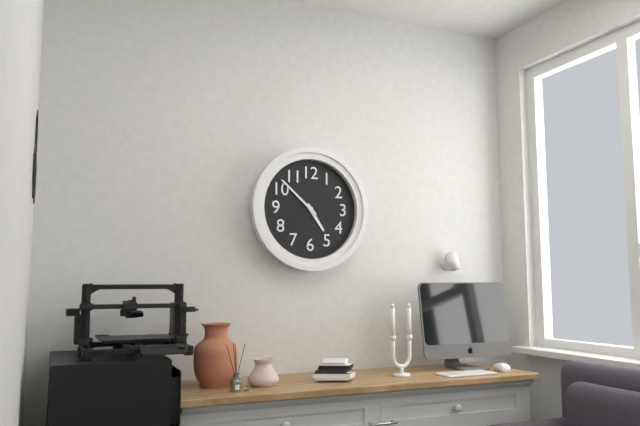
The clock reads 4.52
